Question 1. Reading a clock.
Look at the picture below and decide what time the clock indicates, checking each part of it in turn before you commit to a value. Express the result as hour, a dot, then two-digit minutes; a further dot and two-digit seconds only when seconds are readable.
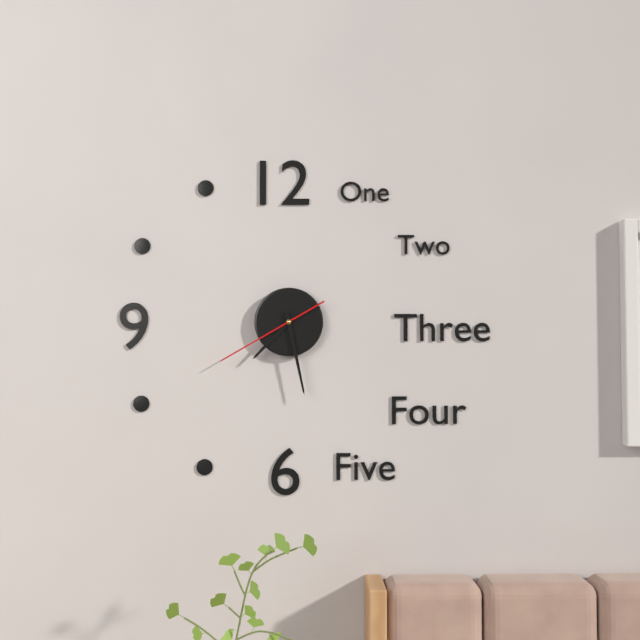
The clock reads 7.28.40
